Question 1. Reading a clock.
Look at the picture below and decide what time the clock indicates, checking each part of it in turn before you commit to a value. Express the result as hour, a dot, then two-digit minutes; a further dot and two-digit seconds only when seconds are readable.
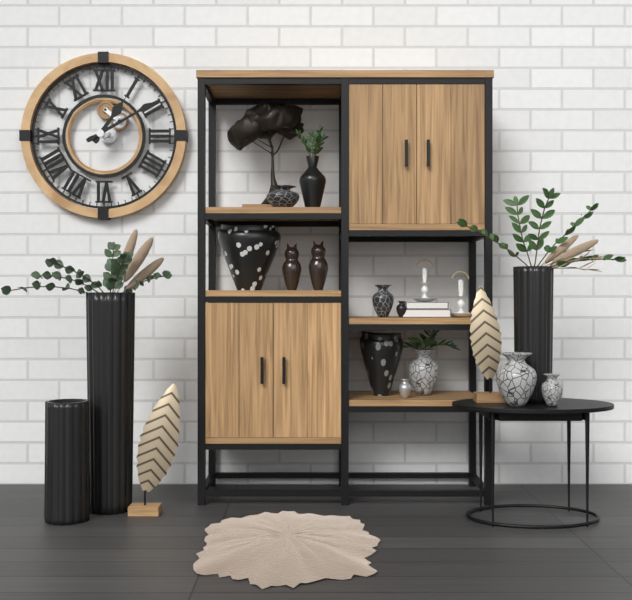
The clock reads 1.10
